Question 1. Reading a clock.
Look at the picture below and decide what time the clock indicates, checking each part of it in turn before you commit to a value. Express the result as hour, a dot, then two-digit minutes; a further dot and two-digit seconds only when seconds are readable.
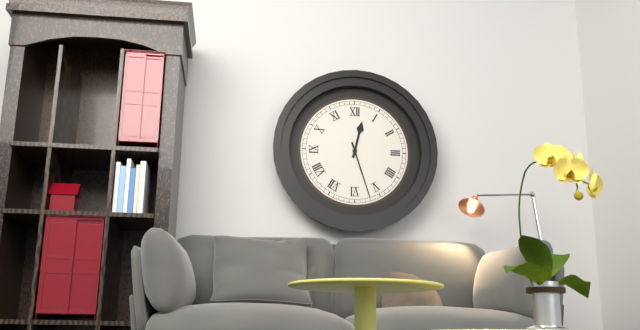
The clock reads 12.27
